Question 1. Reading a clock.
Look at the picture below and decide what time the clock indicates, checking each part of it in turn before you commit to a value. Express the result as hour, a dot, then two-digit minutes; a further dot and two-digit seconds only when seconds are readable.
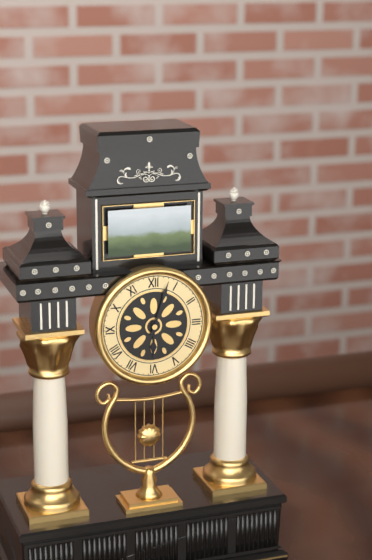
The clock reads 6.03
